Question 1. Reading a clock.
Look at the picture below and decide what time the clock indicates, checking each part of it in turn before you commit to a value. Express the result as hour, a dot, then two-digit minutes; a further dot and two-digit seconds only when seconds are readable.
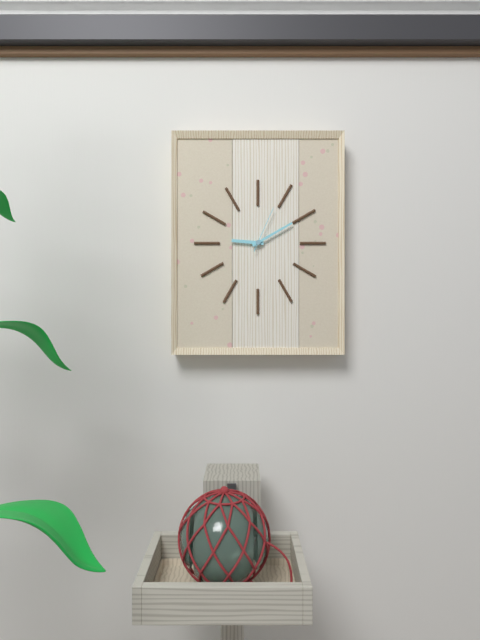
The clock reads 9.10.04
